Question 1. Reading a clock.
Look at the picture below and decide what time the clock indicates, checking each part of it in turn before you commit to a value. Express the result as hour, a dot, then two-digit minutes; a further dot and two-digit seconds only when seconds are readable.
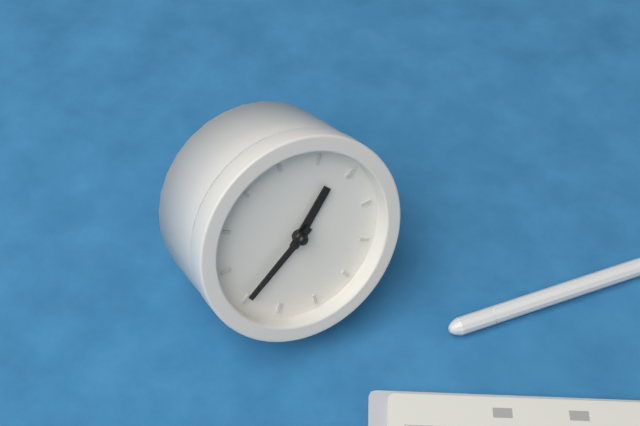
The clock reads 12.35
